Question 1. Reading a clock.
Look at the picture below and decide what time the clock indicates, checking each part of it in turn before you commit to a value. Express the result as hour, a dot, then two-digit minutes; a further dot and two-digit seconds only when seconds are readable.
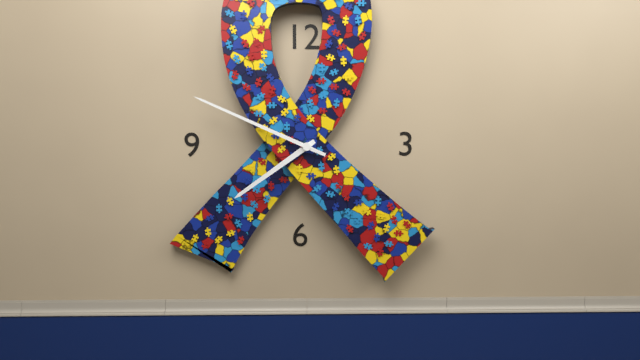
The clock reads 7.49
